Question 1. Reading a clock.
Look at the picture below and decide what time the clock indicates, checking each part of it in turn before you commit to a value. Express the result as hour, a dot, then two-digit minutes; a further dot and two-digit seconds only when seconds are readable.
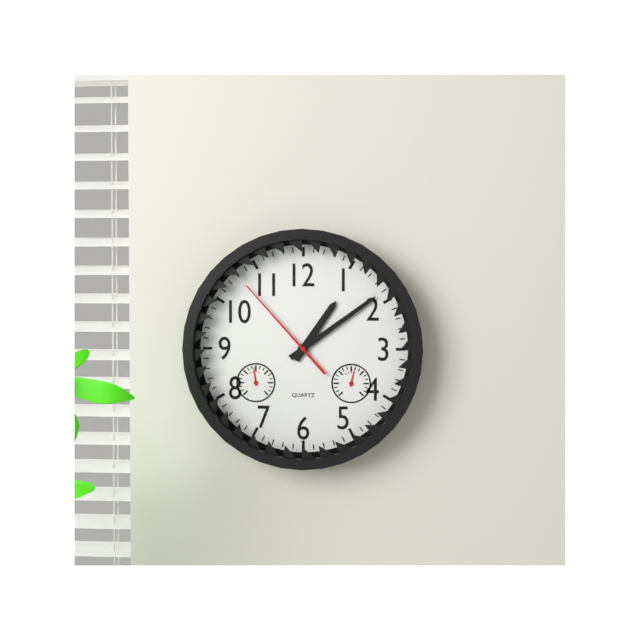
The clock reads 1.09.53
